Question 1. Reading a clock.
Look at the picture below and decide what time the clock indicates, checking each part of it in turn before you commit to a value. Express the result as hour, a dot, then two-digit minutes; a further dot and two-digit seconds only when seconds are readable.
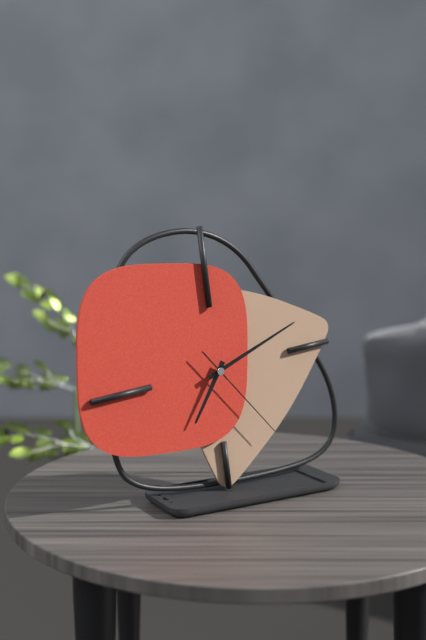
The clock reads 7.12.24
